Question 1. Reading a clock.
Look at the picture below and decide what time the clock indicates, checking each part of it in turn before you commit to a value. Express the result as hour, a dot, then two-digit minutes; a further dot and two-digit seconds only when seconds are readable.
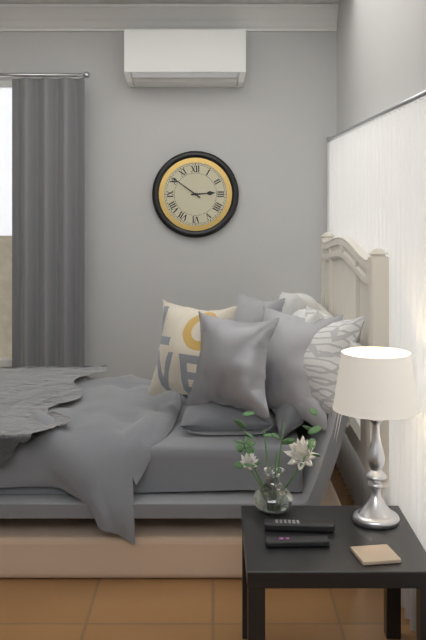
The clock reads 2.51
